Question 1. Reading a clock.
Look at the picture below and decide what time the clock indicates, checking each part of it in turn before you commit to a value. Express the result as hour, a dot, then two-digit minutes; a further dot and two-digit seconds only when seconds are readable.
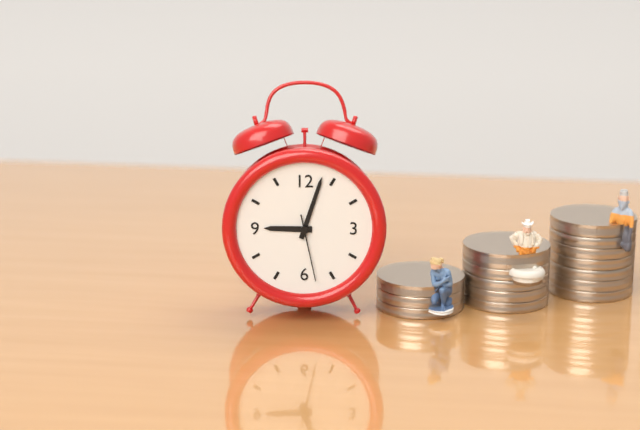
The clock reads 9.03.28
